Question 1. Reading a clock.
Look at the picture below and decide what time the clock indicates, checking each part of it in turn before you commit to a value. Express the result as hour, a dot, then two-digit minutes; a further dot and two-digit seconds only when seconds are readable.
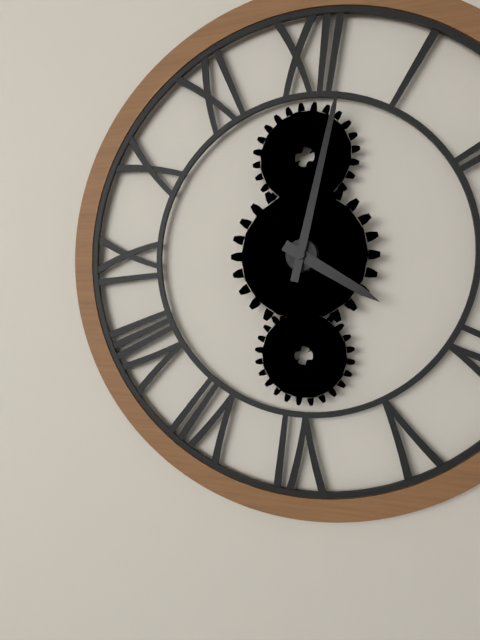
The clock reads 4.02
